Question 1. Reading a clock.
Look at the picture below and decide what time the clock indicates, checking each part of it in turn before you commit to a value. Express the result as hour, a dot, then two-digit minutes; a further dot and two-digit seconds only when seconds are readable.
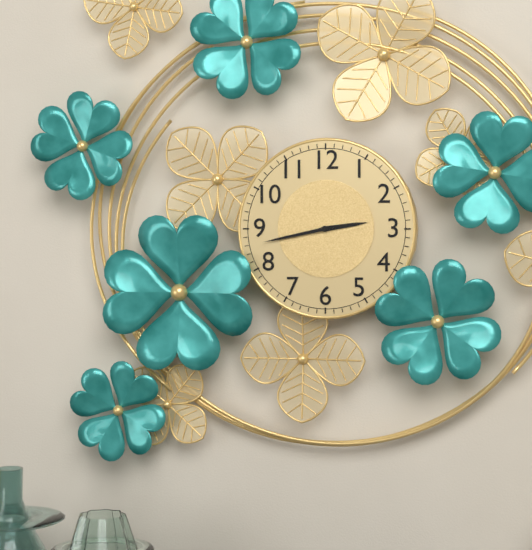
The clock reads 2.43
